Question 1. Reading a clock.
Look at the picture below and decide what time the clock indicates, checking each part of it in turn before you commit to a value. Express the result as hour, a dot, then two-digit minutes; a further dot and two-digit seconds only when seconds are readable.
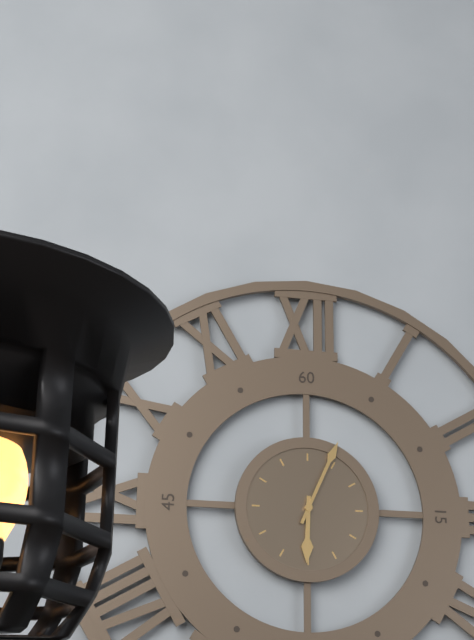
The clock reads 6.04
